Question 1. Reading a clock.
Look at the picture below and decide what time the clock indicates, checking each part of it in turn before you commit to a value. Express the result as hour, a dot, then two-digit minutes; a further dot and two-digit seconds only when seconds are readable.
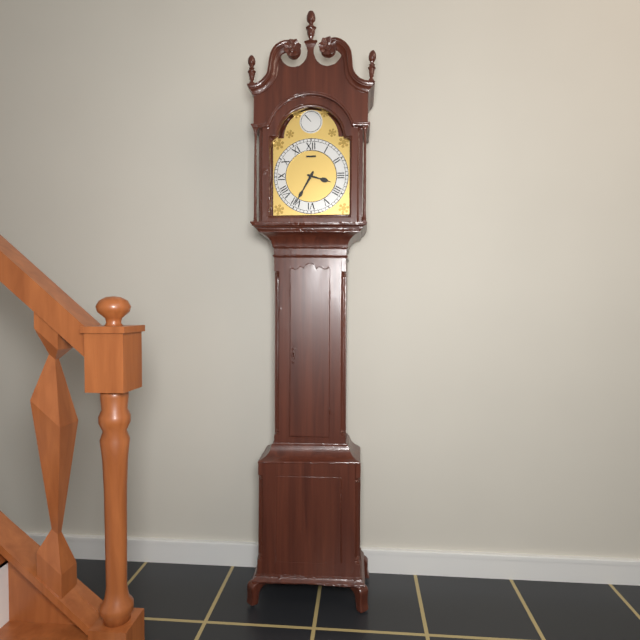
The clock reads 3.35
